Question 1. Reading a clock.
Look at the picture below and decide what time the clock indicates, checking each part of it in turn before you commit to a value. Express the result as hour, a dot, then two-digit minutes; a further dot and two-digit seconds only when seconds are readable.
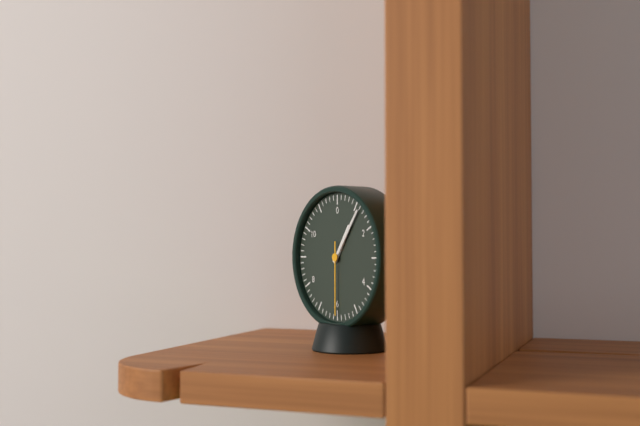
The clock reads 1.06.30
